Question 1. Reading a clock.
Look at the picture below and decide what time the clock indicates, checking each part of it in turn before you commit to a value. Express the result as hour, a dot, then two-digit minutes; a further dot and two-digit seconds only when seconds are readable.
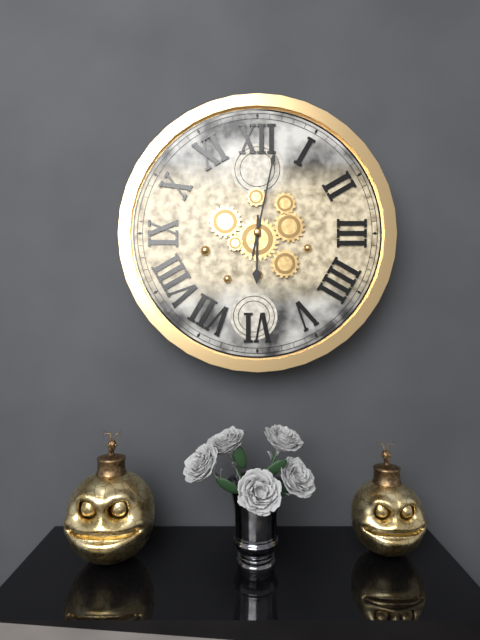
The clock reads 6.02
